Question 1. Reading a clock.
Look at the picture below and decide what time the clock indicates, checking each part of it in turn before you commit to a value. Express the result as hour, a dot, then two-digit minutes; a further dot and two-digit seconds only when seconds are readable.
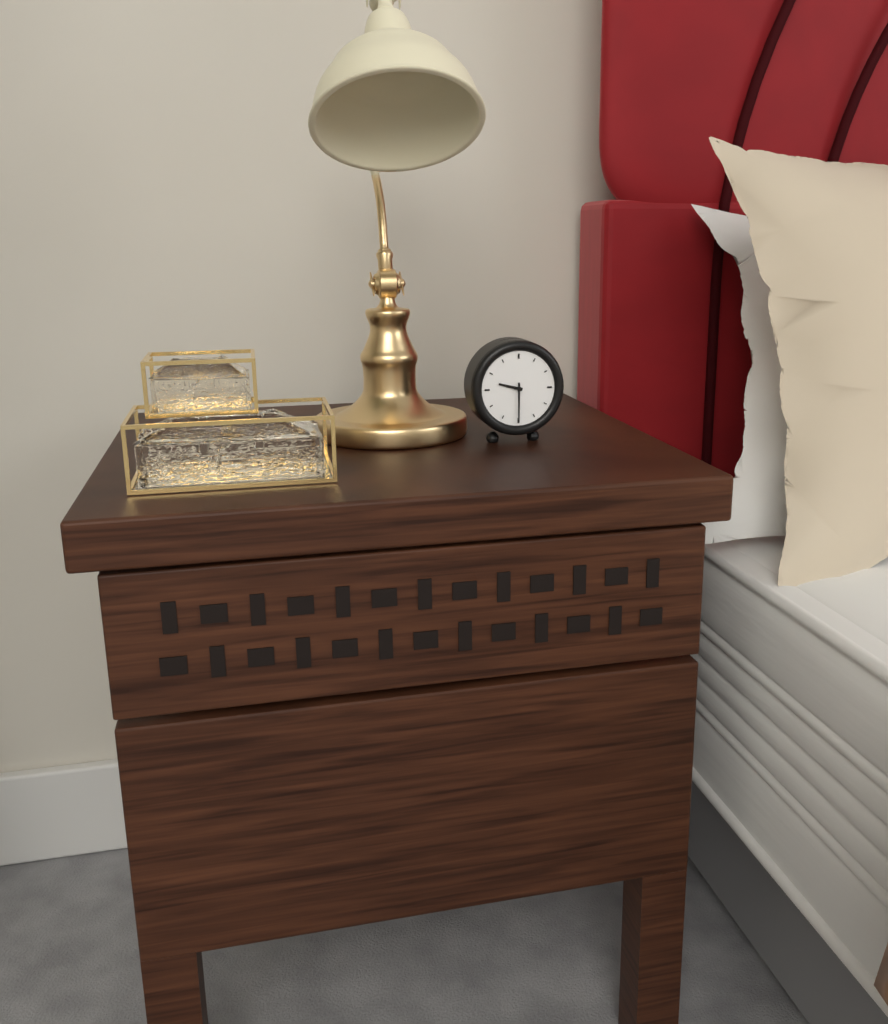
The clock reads 9.30
